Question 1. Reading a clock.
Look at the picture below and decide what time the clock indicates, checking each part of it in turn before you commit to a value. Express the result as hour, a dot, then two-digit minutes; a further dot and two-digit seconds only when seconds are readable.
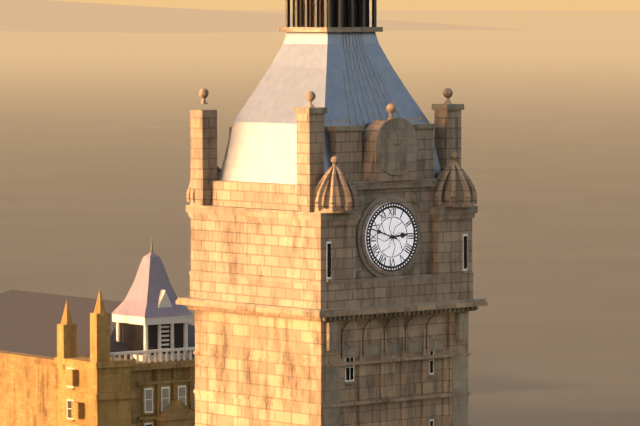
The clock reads 2.48
